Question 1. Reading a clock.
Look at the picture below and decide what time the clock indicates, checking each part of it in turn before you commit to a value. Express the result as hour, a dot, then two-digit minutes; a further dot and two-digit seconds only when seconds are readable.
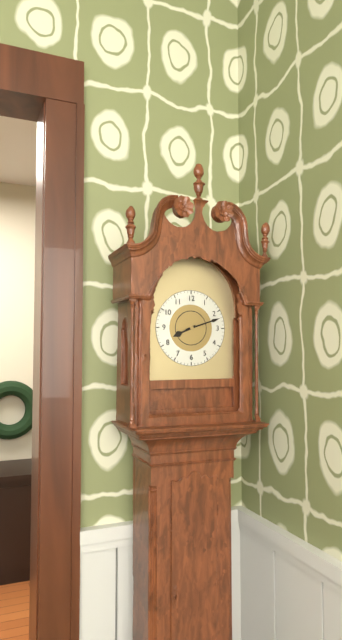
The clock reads 8.12
